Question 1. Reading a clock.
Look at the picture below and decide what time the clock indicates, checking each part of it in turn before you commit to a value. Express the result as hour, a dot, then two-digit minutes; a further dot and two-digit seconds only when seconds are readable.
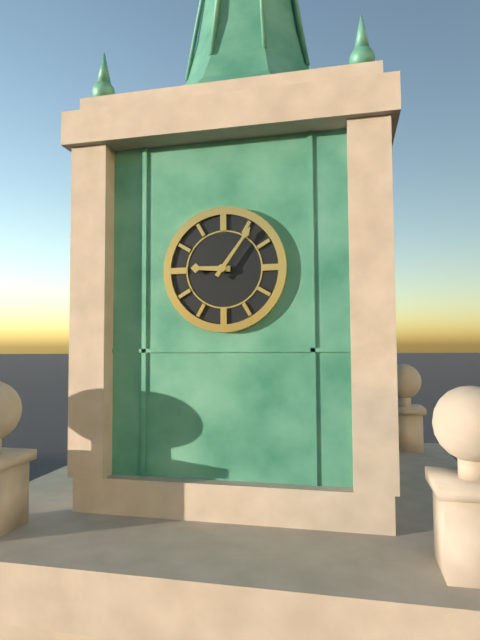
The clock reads 9.06
